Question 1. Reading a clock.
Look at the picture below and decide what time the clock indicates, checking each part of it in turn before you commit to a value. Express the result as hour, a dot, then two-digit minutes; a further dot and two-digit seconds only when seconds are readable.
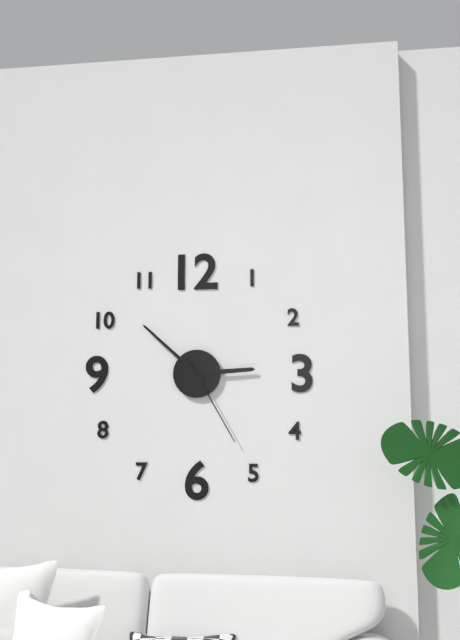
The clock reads 2.52.25
